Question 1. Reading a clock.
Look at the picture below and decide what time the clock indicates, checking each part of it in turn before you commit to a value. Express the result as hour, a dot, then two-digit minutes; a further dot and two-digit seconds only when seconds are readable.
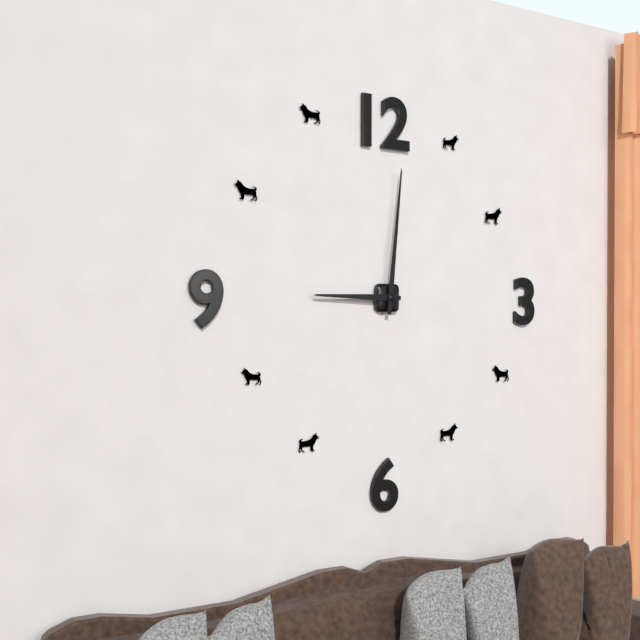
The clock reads 9.01
